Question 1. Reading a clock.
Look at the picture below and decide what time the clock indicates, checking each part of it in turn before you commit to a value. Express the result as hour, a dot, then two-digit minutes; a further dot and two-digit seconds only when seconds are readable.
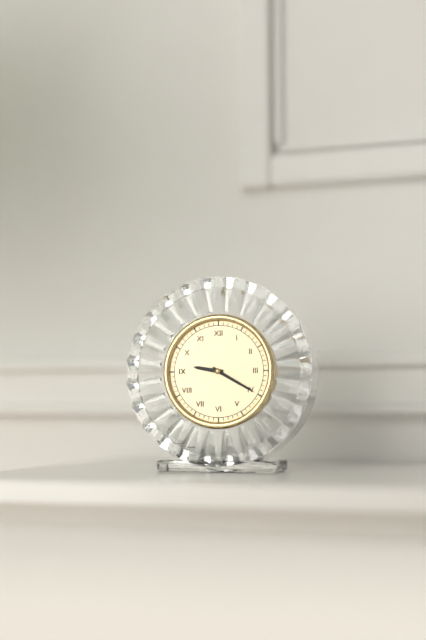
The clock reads 9.20
